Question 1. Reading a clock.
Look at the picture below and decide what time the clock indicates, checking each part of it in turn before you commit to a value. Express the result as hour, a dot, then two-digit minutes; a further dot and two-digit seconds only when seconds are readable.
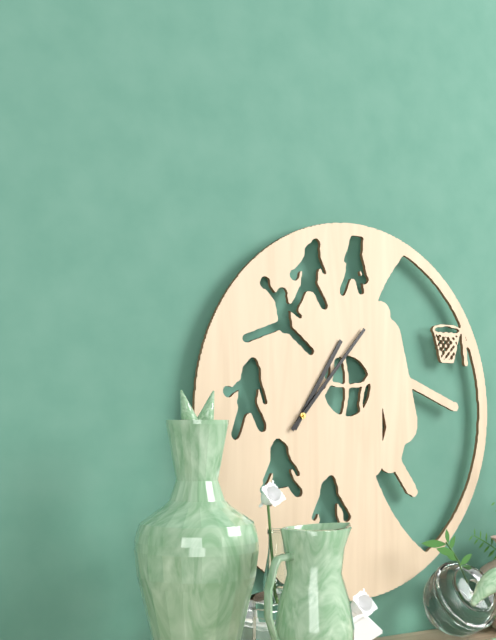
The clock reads 1.07
